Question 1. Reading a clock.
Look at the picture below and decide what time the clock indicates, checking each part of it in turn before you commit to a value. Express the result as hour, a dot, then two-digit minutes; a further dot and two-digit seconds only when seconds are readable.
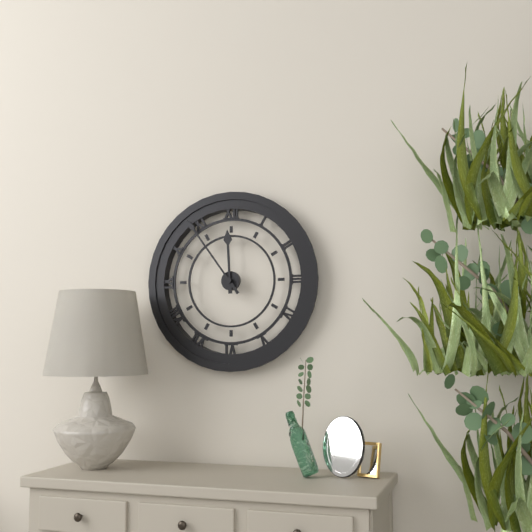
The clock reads 11.54
